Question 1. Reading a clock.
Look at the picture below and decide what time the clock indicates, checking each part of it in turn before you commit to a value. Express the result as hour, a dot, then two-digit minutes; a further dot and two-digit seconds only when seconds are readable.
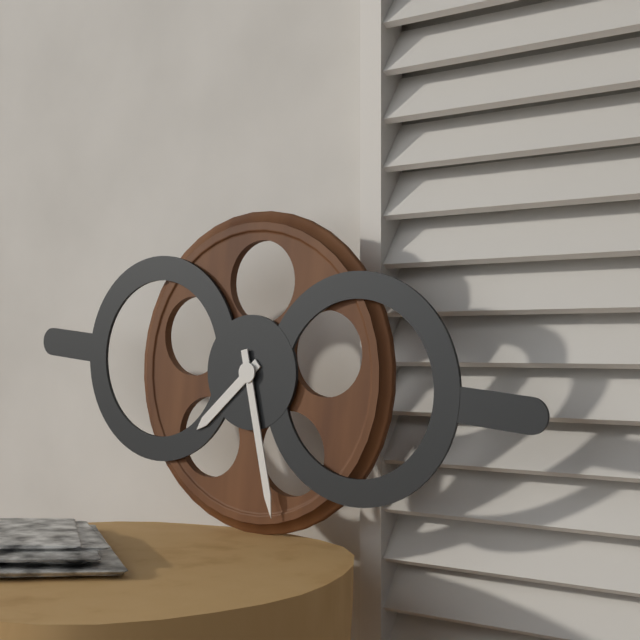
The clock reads 7.27
